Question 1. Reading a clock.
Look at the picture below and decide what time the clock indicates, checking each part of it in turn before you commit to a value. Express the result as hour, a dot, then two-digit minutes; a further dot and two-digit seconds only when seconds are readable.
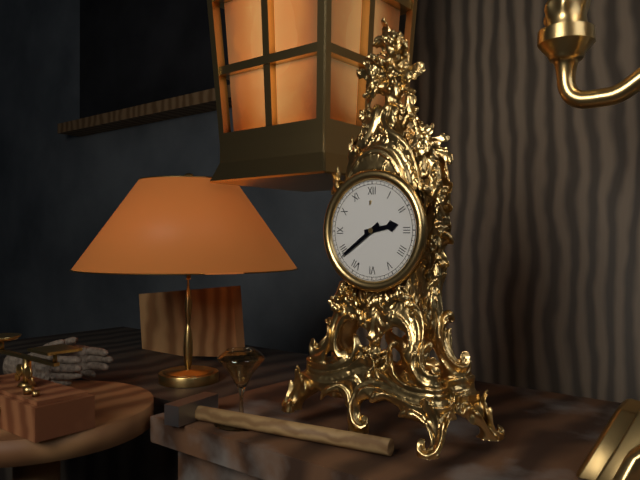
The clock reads 2.39
